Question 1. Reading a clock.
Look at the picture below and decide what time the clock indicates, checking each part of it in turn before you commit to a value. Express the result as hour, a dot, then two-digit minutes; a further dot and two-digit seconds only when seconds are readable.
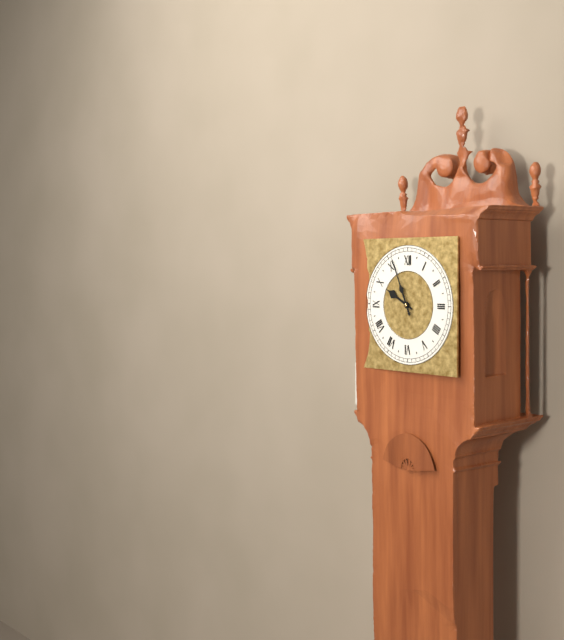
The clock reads 9.56
